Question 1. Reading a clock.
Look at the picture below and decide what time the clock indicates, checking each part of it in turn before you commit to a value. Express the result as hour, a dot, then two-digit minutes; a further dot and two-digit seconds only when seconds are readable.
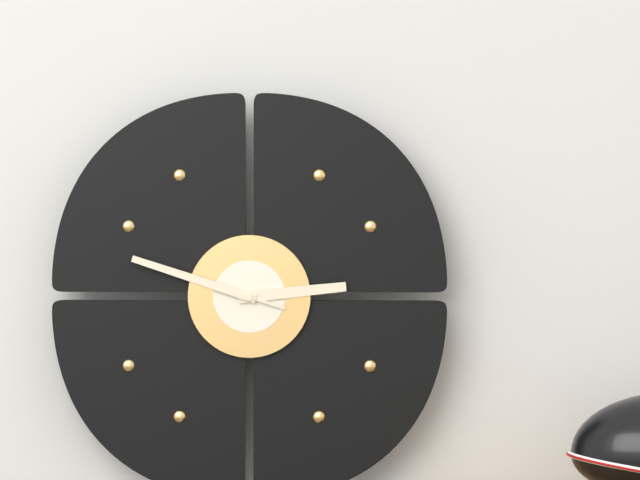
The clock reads 2.48
